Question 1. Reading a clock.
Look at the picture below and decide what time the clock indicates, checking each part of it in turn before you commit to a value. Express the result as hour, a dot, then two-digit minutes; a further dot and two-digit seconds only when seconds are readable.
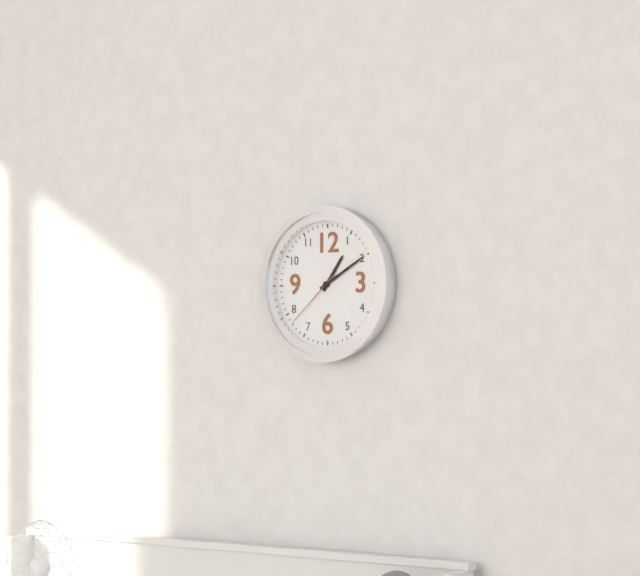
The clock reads 1.10.38
